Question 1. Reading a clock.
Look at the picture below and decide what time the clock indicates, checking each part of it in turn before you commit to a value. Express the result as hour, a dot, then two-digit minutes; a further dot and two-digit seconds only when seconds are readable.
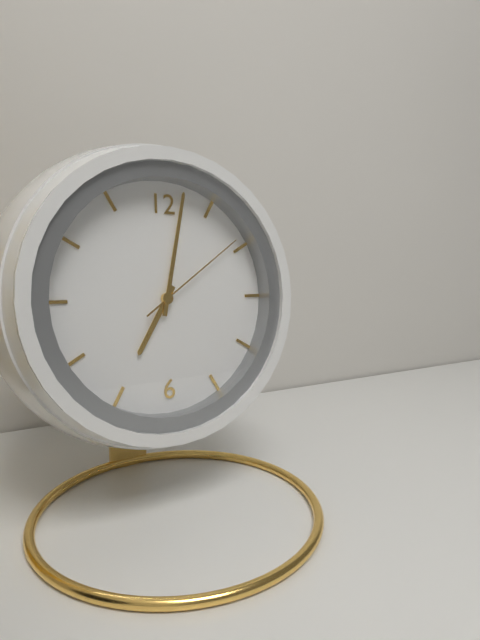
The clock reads 7.02.09
